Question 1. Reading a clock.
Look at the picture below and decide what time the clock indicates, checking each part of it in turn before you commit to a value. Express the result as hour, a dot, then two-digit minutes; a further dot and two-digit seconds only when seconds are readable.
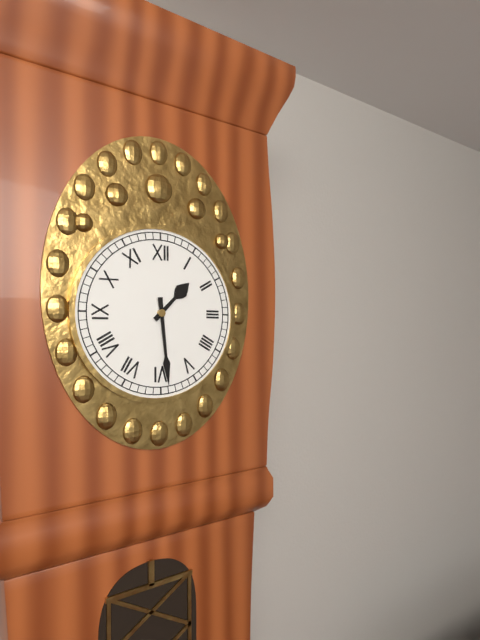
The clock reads 1.29
